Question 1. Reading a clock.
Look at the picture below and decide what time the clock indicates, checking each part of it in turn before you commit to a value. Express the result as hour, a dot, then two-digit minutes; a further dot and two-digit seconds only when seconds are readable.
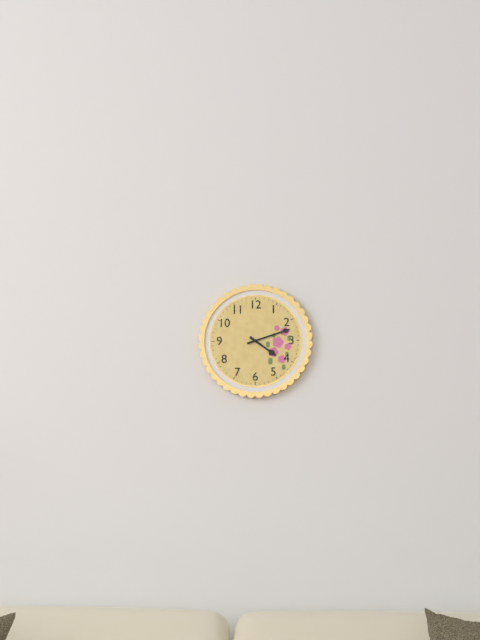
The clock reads 4.12
